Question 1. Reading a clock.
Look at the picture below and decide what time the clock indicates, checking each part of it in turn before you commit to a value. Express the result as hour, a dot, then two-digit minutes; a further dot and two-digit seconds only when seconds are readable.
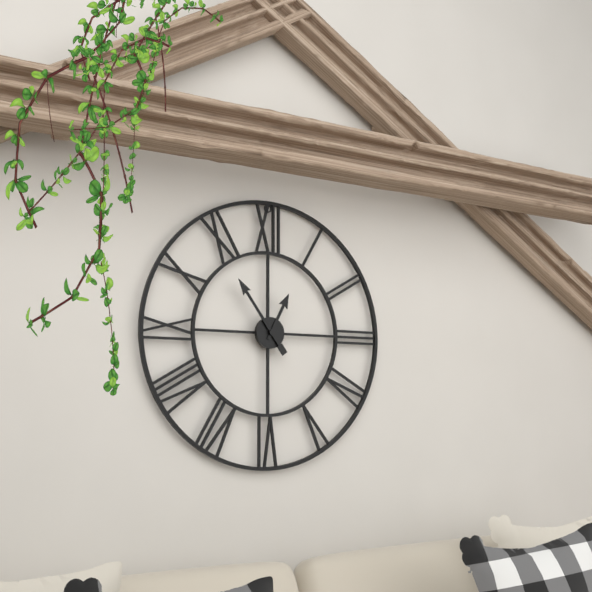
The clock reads 12.54
